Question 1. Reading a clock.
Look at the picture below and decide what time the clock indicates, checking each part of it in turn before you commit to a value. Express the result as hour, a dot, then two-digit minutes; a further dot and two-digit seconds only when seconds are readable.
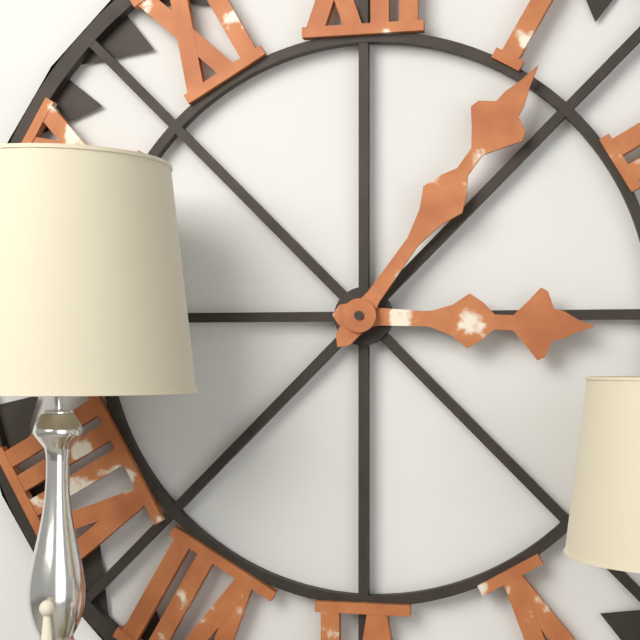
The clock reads 3.06
